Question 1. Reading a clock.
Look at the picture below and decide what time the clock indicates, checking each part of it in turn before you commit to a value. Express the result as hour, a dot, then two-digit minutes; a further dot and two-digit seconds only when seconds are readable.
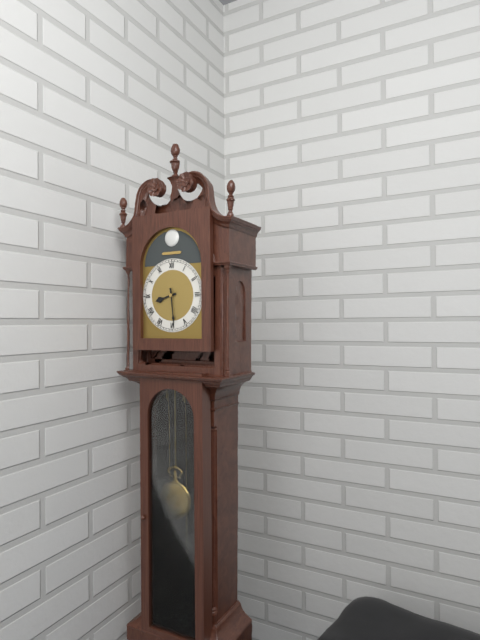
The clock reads 8.29
